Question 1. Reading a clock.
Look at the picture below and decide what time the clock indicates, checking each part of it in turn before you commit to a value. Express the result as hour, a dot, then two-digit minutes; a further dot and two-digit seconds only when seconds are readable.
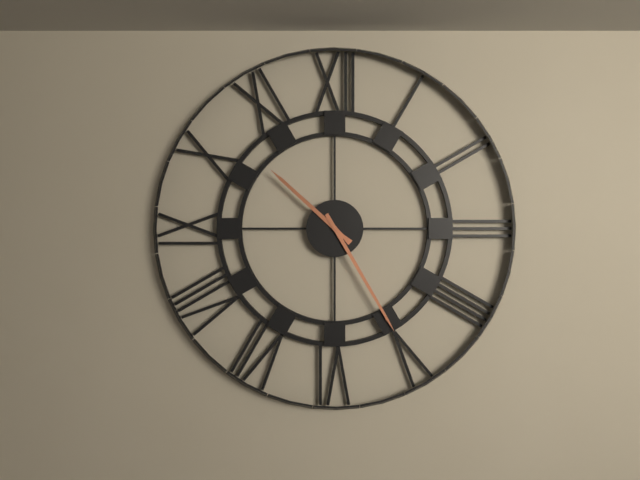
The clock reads 10.25
